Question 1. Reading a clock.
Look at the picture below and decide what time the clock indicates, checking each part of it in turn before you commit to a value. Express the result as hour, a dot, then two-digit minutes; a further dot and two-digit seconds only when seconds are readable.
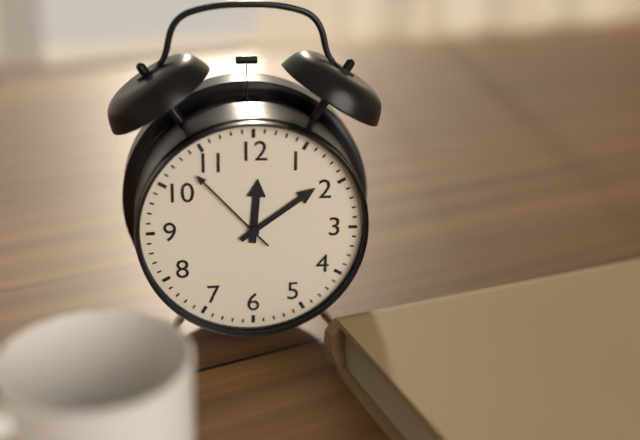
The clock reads 12.09.53
